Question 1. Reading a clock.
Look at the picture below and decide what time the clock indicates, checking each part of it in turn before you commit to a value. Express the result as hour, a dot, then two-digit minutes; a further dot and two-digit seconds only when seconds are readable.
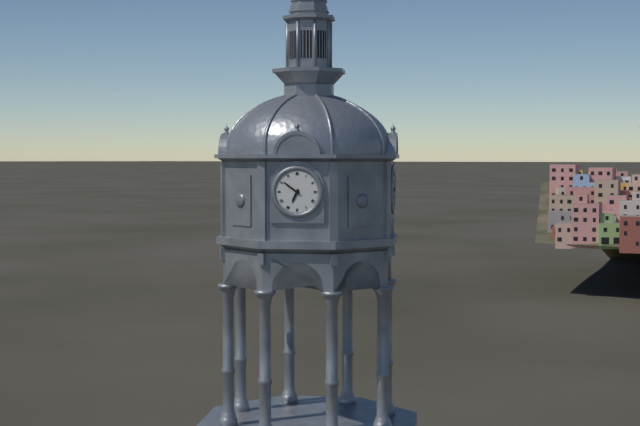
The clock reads 6.51
